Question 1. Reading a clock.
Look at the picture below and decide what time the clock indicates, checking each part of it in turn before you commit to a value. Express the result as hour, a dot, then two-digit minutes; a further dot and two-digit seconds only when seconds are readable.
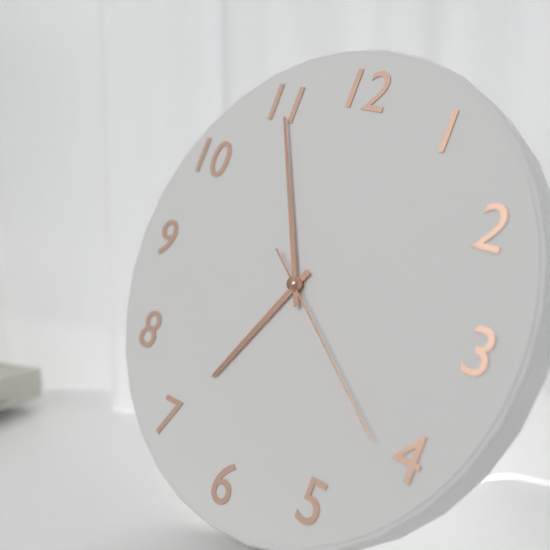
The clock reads 6.55.21
